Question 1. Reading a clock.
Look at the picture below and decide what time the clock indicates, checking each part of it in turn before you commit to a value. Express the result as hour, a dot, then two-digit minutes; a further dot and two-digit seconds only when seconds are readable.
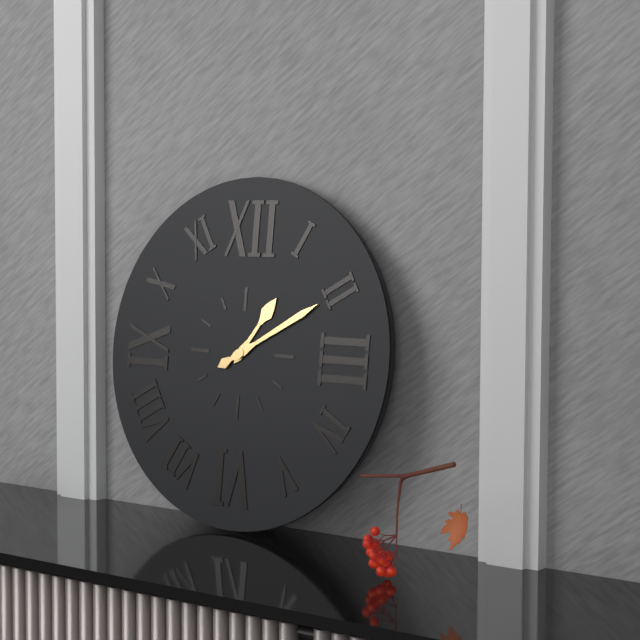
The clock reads 1.10
